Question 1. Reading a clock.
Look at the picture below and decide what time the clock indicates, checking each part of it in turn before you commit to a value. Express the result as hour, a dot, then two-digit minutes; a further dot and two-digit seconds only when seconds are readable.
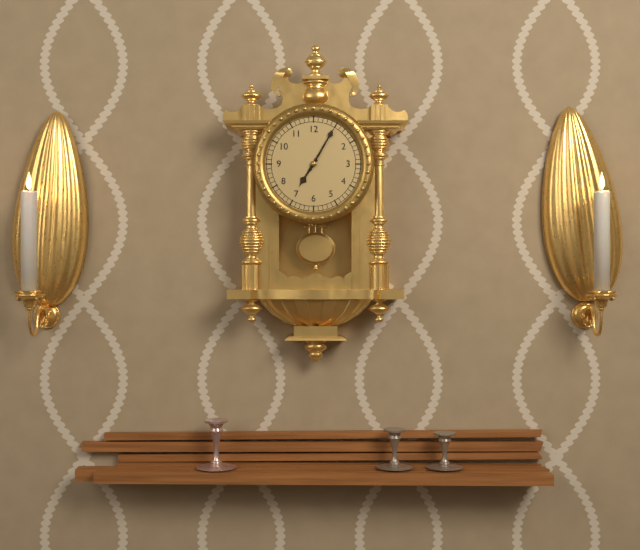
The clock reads 7.05
